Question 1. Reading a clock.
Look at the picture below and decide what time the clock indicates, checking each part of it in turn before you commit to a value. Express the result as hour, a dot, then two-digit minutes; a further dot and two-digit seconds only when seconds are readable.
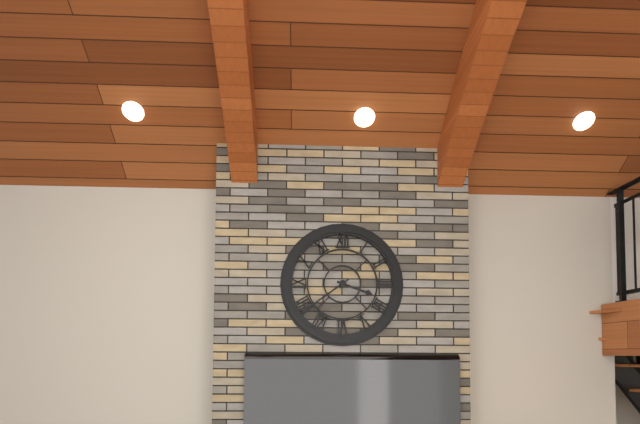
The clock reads 3.39
